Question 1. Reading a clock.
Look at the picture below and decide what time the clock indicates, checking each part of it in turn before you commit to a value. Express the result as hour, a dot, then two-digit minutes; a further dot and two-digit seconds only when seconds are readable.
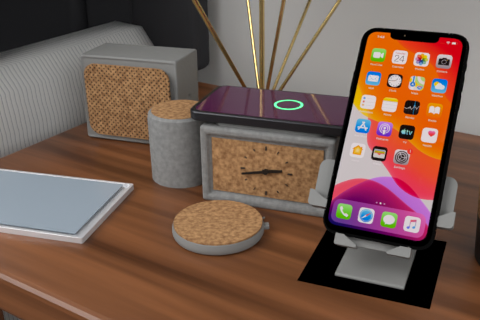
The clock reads 2.43
